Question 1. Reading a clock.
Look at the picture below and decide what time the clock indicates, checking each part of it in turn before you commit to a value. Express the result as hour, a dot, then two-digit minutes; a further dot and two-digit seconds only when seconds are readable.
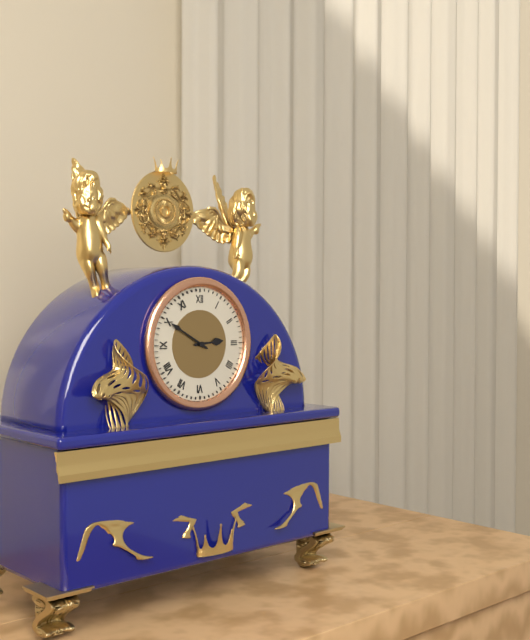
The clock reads 2.50
